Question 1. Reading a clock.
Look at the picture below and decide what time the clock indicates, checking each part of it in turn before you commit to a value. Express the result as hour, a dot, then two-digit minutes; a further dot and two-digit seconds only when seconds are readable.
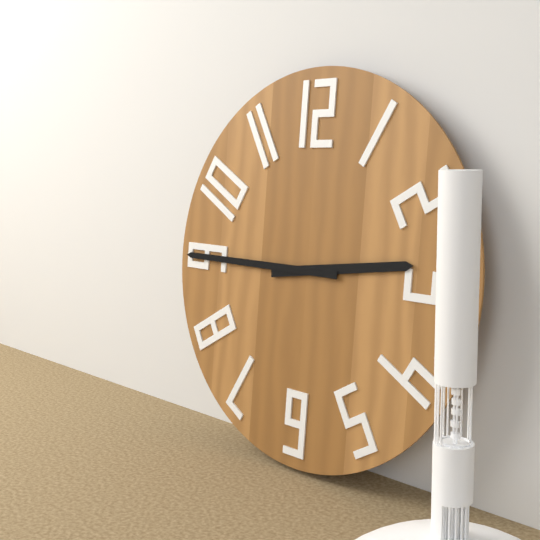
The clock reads 2.45
